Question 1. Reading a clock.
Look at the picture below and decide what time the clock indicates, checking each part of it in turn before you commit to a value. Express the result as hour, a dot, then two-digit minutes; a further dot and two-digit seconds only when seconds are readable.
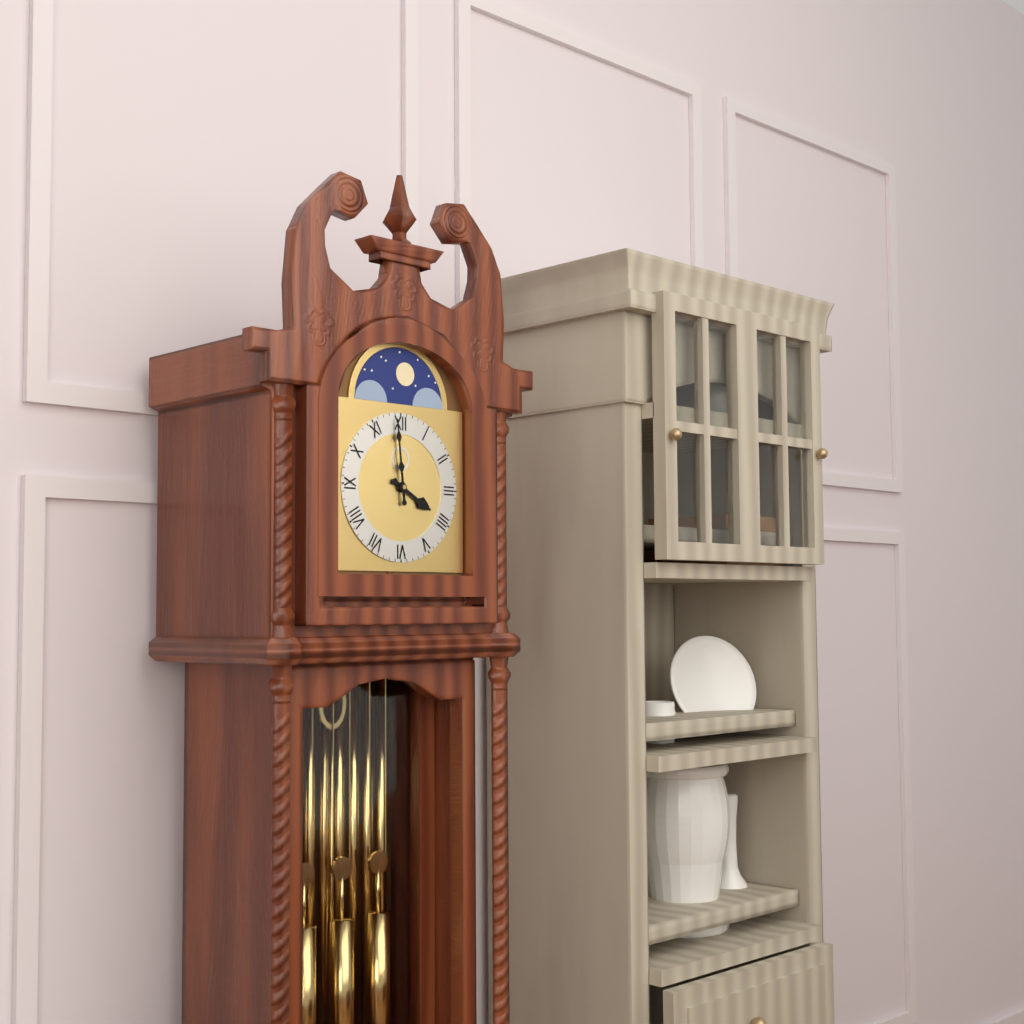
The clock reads 3.59
